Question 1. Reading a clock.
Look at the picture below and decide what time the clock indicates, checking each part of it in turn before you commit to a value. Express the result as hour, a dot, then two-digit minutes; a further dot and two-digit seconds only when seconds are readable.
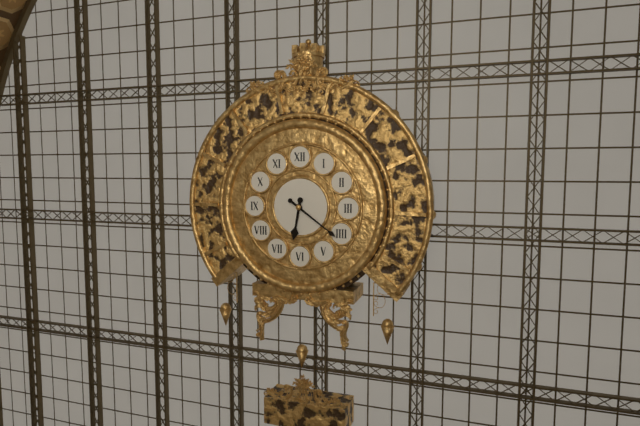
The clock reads 6.21
